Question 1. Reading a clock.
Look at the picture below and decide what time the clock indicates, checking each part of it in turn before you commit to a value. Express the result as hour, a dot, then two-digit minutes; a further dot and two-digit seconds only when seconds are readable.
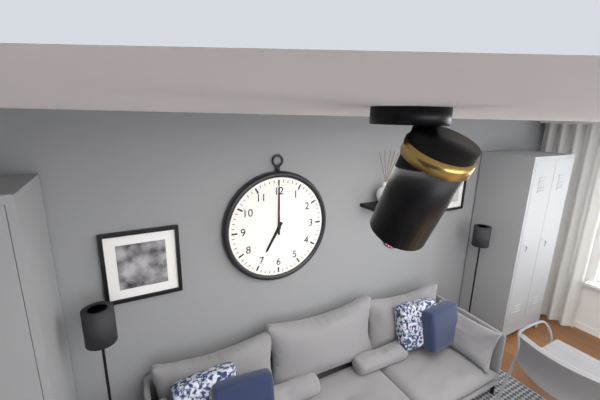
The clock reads 7.00
